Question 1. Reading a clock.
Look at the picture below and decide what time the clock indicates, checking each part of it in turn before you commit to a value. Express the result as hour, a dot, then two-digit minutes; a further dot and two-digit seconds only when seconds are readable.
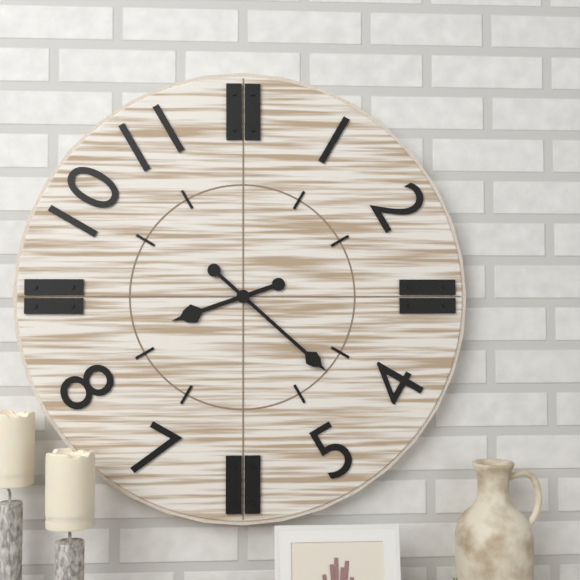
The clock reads 8.22
